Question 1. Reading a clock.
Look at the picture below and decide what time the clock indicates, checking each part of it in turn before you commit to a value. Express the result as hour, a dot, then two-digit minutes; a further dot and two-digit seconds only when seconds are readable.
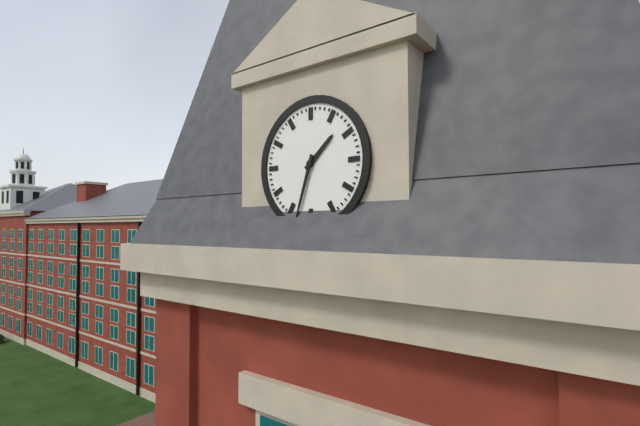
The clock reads 1.33
